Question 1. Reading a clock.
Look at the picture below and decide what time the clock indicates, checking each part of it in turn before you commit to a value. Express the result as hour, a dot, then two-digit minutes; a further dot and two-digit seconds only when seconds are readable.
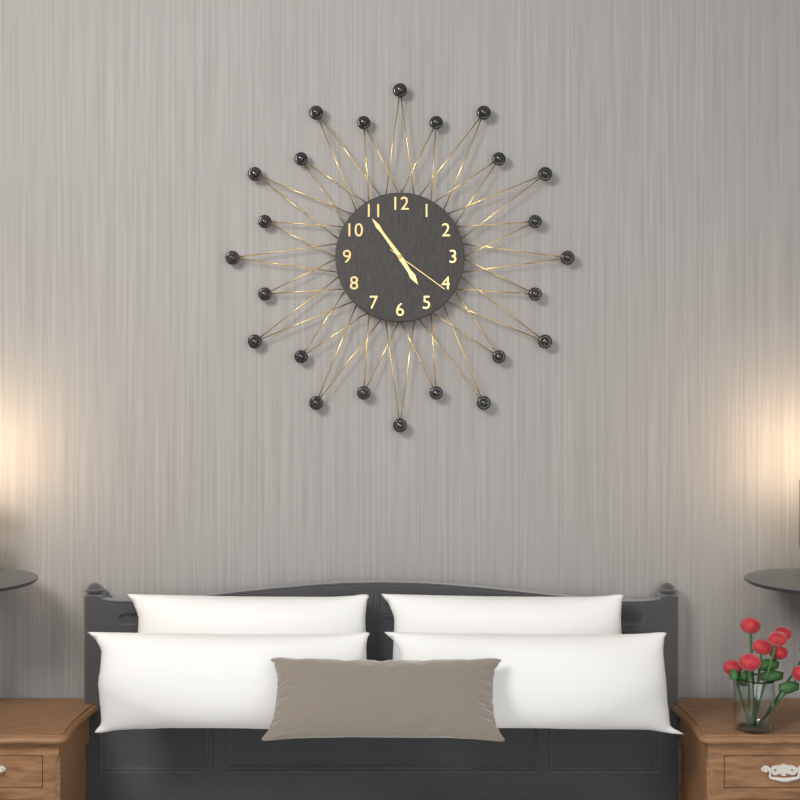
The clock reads 4.54.21
